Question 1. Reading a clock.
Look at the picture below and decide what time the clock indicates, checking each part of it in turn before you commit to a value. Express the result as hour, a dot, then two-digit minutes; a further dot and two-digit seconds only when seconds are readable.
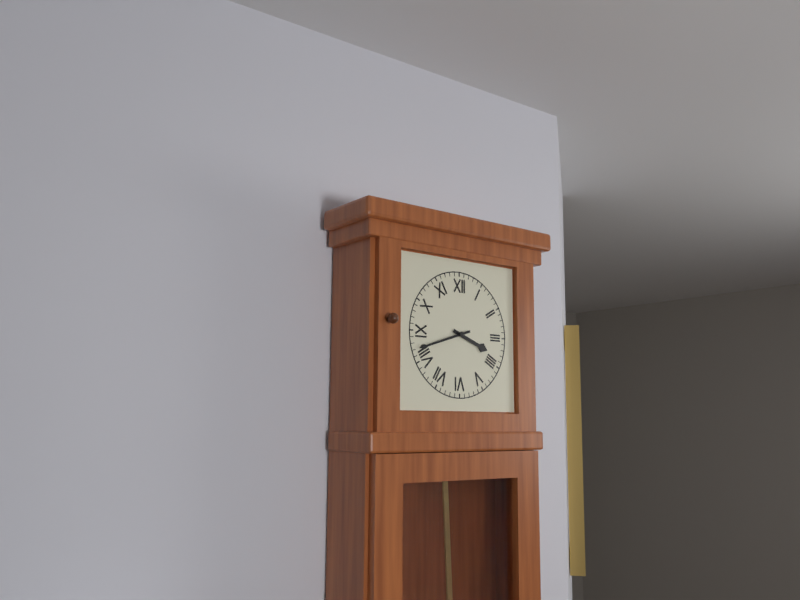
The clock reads 3.42
